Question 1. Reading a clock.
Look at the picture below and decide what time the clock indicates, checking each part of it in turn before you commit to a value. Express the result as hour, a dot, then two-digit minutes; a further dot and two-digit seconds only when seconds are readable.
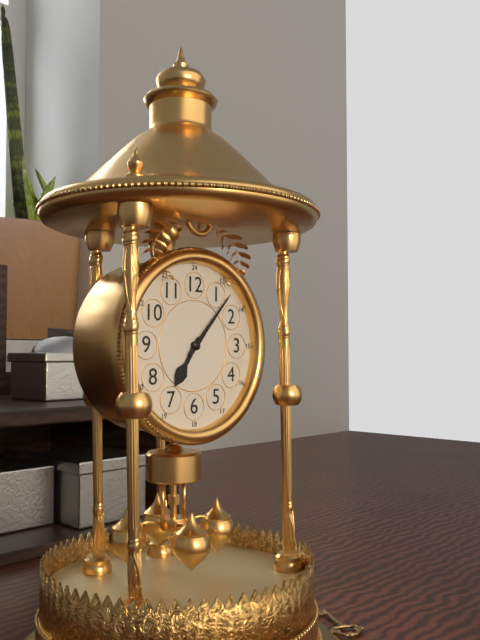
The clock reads 7.07
